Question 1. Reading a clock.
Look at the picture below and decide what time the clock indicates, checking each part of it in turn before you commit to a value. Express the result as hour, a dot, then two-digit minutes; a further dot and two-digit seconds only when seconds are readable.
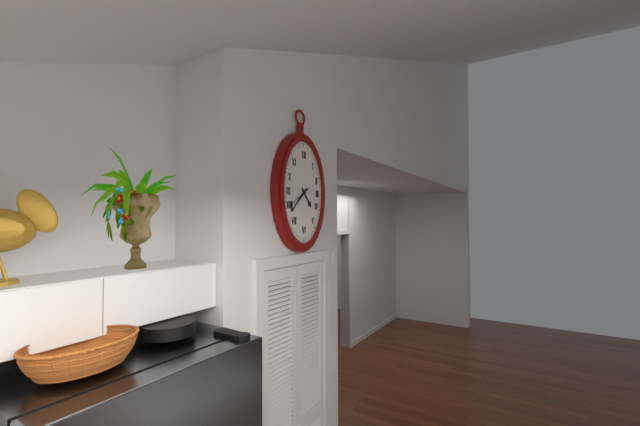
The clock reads 4.38
